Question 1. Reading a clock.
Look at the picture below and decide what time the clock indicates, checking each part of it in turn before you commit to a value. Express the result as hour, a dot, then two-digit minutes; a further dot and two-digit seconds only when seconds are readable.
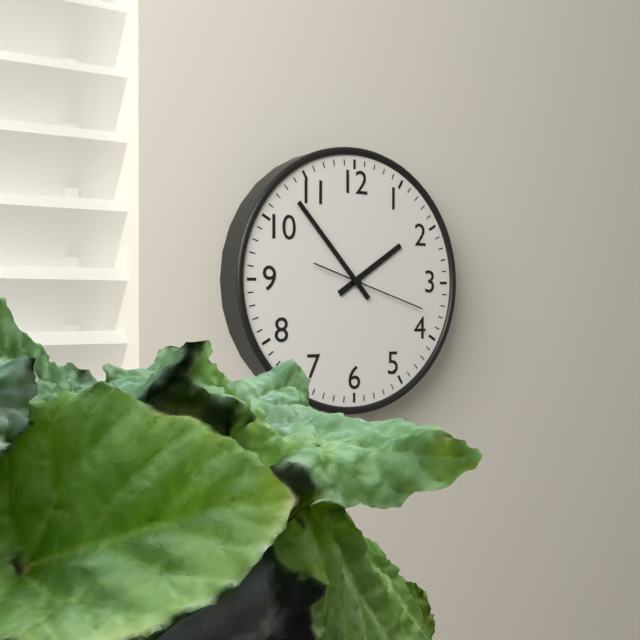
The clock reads 1.53.18
